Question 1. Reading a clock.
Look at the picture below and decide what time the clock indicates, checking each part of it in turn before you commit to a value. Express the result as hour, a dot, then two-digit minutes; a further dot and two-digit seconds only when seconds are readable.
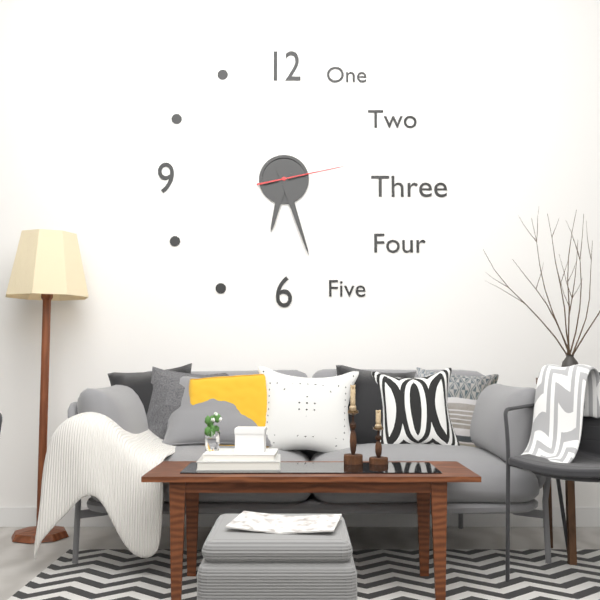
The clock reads 6.27.13
